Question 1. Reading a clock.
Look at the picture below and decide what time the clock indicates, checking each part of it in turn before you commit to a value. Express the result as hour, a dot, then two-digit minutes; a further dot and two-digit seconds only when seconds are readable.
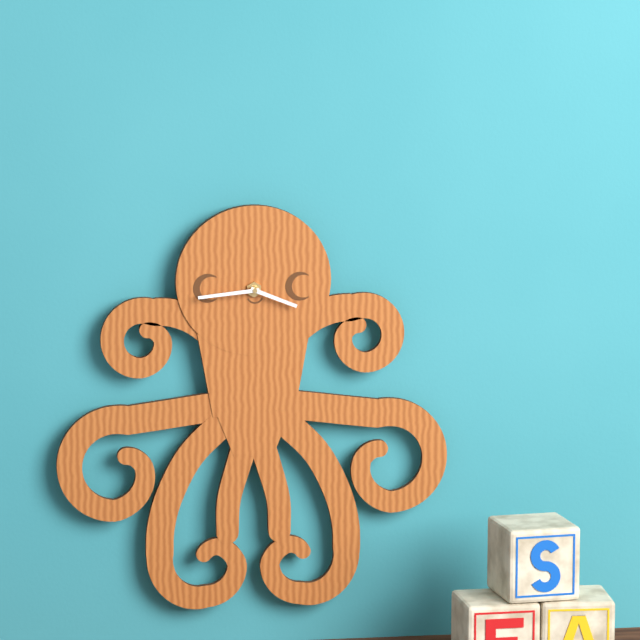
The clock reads 3.44
